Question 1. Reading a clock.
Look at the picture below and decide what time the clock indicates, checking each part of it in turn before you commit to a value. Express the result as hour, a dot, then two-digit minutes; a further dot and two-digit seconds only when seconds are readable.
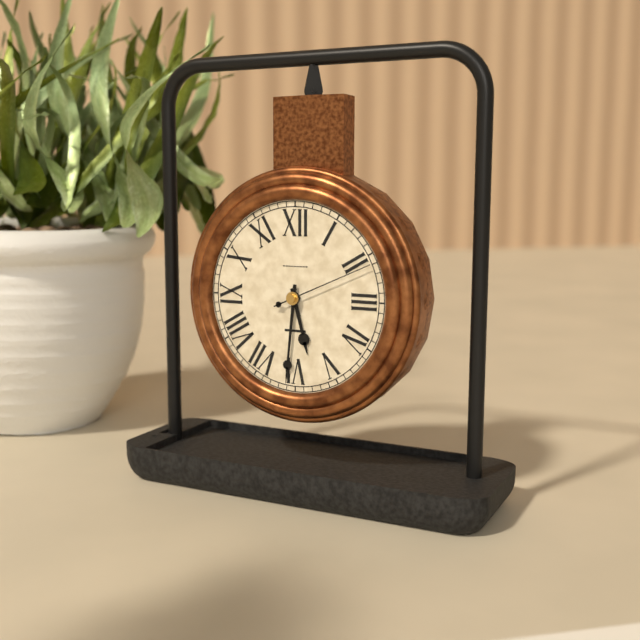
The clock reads 5.31.11
